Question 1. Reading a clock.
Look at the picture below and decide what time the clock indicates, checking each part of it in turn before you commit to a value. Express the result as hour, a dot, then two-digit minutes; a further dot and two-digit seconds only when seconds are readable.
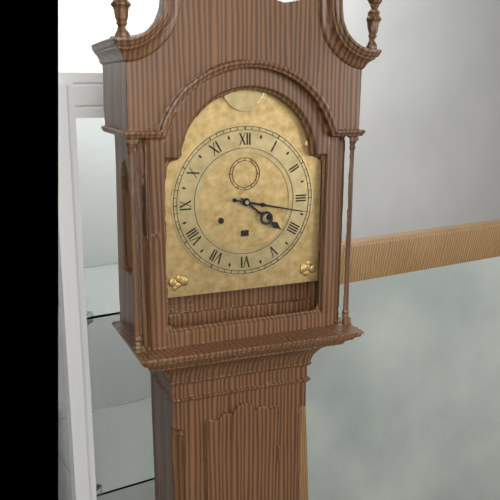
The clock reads 4.17
